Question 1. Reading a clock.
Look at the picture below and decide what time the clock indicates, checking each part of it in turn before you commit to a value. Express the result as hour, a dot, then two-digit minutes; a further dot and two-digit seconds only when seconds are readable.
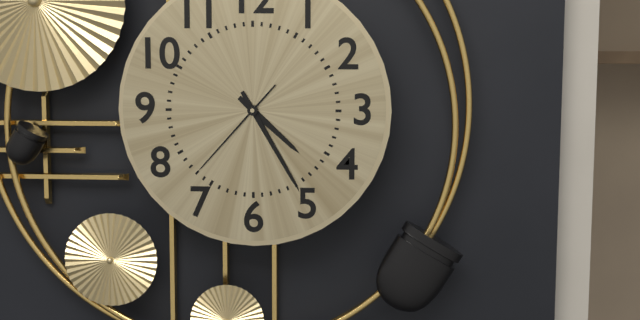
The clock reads 4.25.37
